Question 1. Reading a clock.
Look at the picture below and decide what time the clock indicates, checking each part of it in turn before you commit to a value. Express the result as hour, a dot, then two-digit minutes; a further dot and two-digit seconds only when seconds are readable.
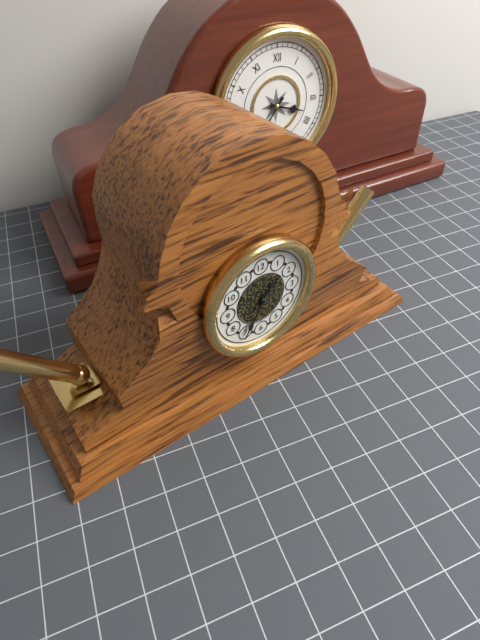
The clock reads 1.35
